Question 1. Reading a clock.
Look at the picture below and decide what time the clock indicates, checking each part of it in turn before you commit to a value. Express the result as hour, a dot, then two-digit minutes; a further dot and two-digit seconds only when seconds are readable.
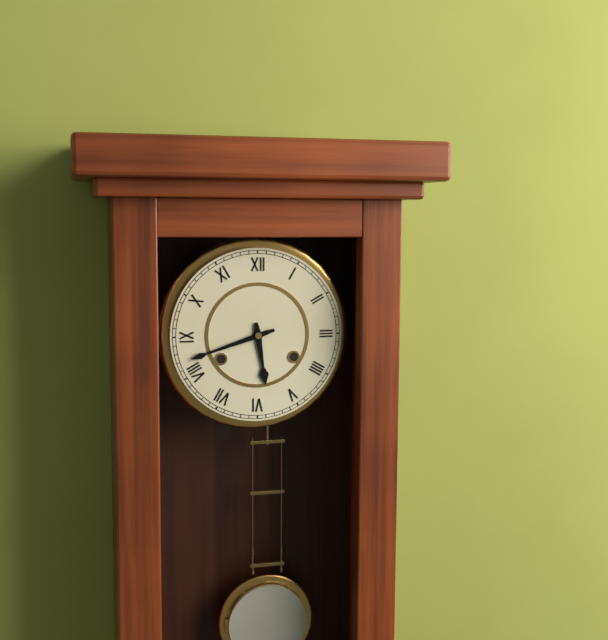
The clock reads 5.42
